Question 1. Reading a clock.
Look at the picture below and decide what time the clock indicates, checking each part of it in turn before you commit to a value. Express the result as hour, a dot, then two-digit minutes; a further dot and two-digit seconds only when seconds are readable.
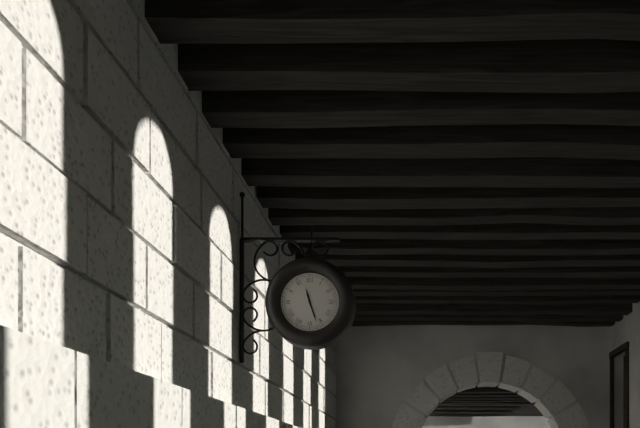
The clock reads 11.27
